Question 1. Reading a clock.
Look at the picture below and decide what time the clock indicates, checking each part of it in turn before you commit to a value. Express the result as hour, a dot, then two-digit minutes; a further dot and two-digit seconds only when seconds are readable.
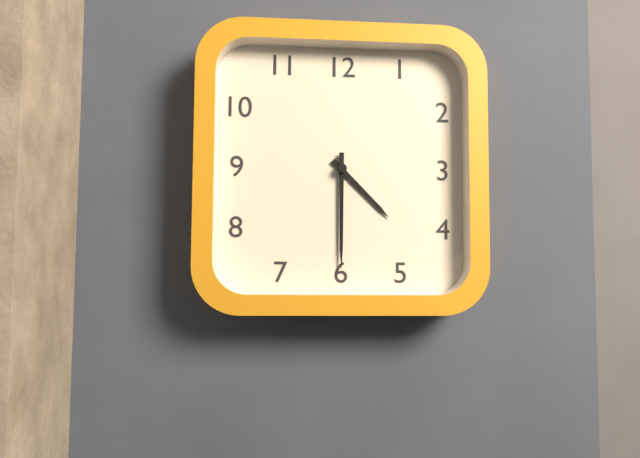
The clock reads 4.30
